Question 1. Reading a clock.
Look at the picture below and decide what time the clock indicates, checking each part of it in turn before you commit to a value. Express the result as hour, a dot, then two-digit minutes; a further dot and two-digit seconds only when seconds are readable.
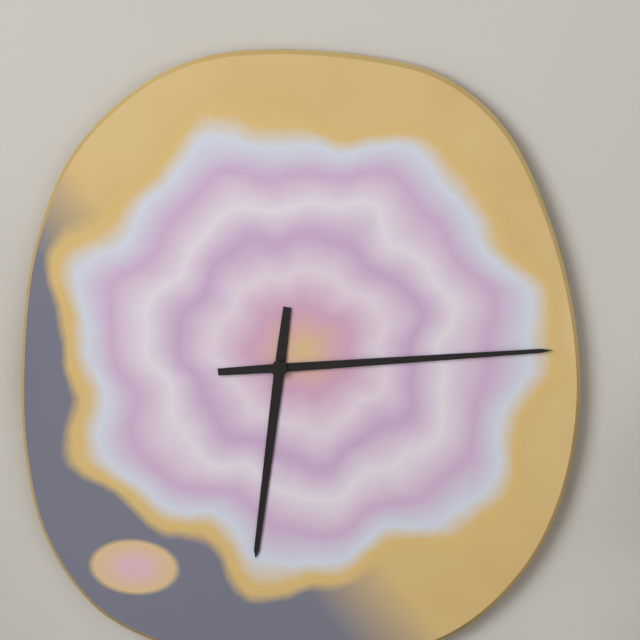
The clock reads 6.14
